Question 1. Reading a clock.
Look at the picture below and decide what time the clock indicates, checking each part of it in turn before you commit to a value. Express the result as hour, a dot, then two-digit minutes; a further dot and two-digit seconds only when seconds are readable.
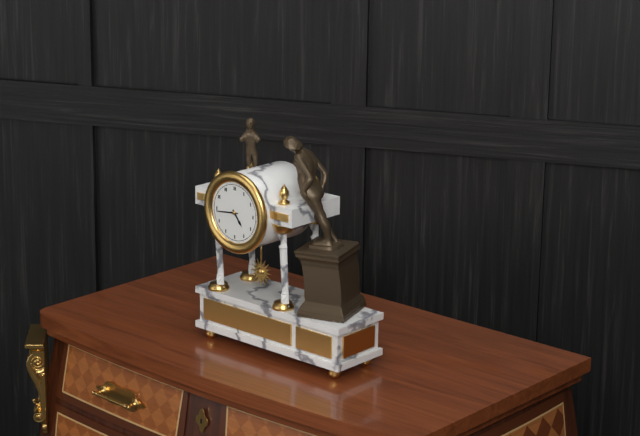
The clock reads 4.44
